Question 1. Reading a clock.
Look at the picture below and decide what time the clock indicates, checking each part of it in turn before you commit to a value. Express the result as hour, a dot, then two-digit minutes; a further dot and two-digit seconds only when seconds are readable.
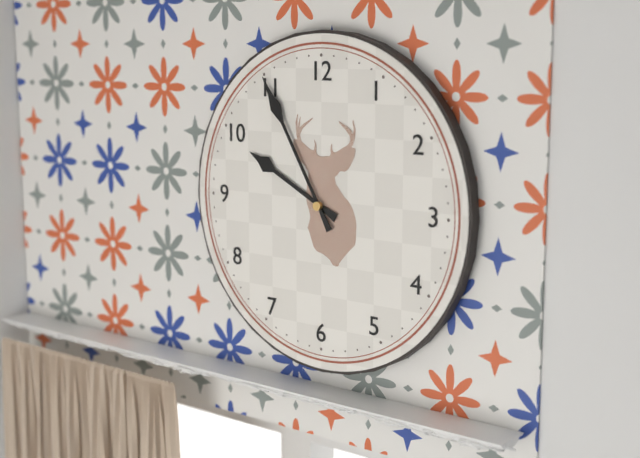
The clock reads 9.55
